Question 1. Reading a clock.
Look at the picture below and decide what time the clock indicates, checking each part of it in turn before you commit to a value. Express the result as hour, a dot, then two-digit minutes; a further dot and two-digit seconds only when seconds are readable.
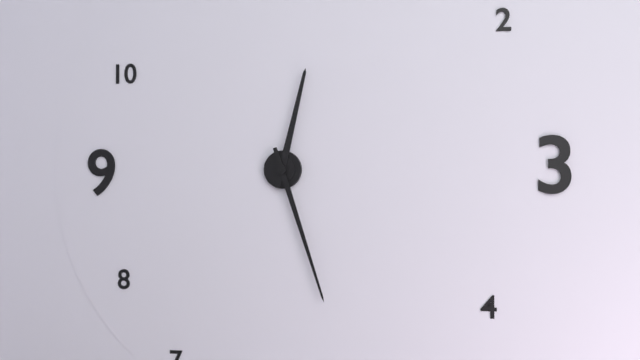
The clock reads 12.27
